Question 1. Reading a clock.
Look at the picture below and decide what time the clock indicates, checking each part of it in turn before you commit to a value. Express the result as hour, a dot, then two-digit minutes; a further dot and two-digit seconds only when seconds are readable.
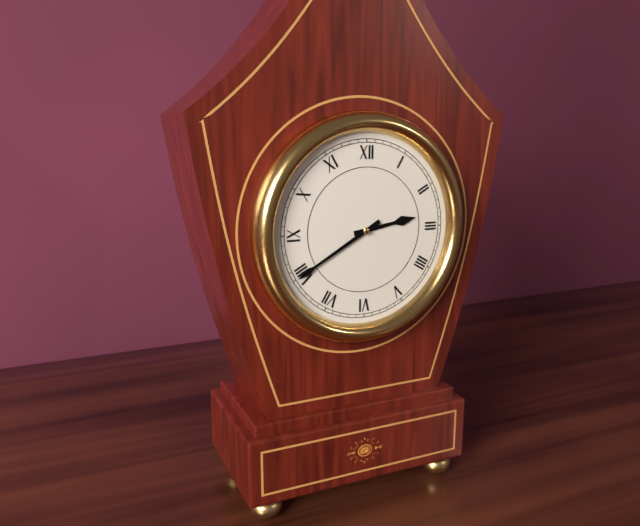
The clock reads 2.40
